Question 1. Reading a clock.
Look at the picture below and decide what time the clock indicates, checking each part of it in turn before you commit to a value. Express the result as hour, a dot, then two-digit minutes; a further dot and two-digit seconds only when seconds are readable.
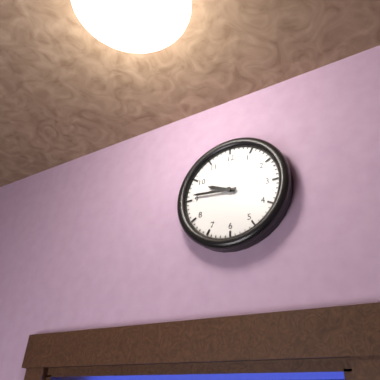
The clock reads 9.46
